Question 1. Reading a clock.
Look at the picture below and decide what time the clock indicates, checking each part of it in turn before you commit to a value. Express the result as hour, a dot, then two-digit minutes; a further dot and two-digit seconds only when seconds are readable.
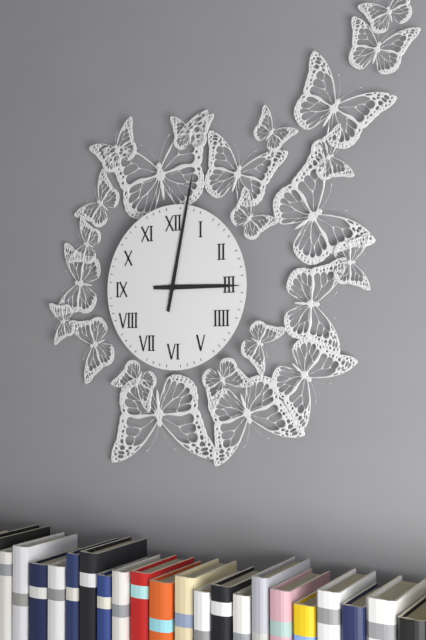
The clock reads 3.02
